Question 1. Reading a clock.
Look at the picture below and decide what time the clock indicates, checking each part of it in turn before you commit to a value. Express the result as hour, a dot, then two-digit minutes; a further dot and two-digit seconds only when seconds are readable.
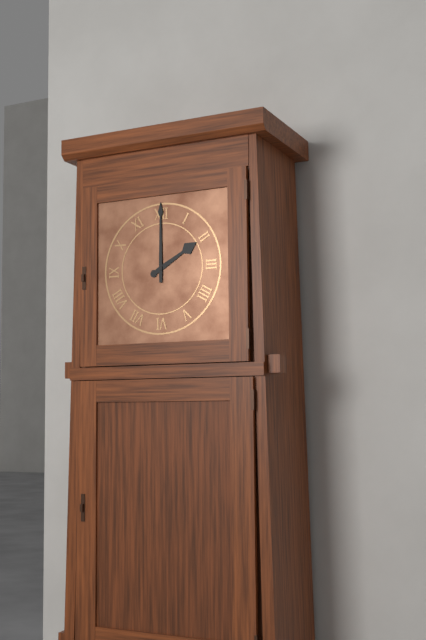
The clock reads 2.00
